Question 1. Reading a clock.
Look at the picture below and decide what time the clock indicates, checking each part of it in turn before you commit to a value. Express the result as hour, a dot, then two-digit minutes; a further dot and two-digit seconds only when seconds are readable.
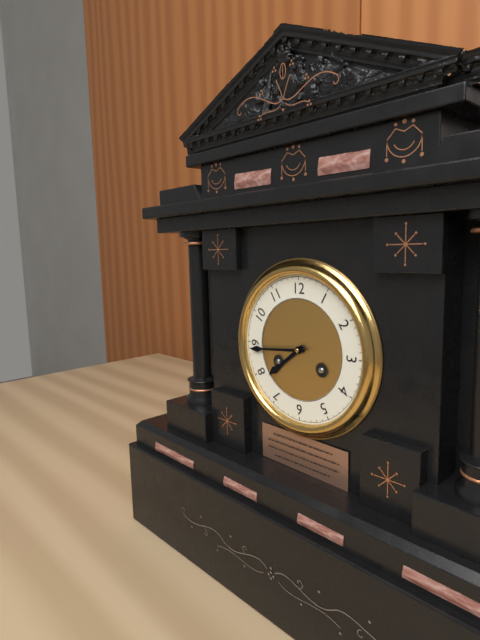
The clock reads 7.44
